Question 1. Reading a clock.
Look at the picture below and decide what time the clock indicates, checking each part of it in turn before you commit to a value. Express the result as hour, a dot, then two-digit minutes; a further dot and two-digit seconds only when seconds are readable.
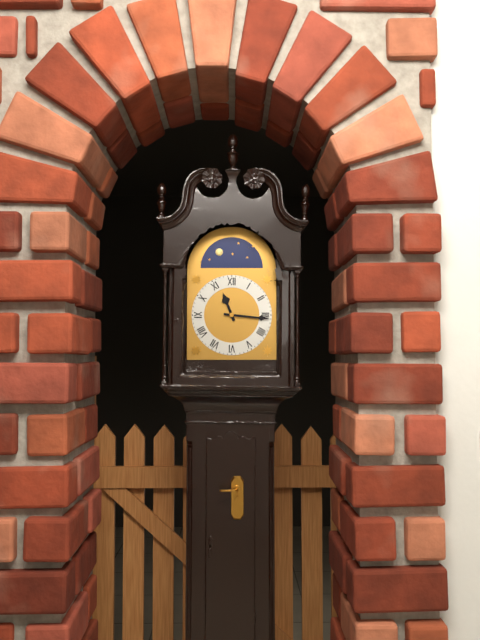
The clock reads 11.16
